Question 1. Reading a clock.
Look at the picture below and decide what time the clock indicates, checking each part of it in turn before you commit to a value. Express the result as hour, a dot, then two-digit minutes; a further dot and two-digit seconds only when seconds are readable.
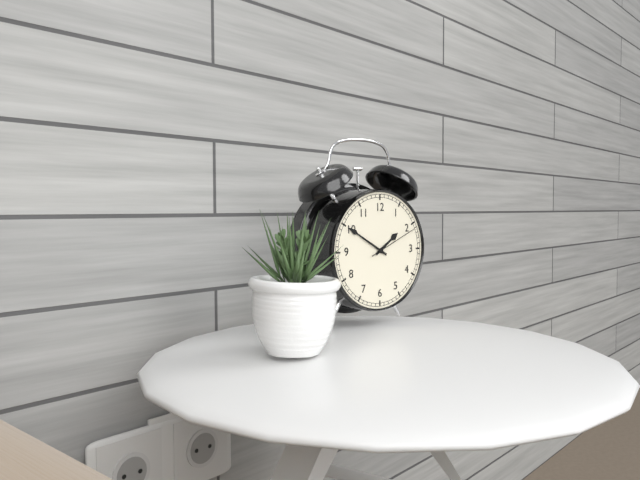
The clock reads 1.50.11
